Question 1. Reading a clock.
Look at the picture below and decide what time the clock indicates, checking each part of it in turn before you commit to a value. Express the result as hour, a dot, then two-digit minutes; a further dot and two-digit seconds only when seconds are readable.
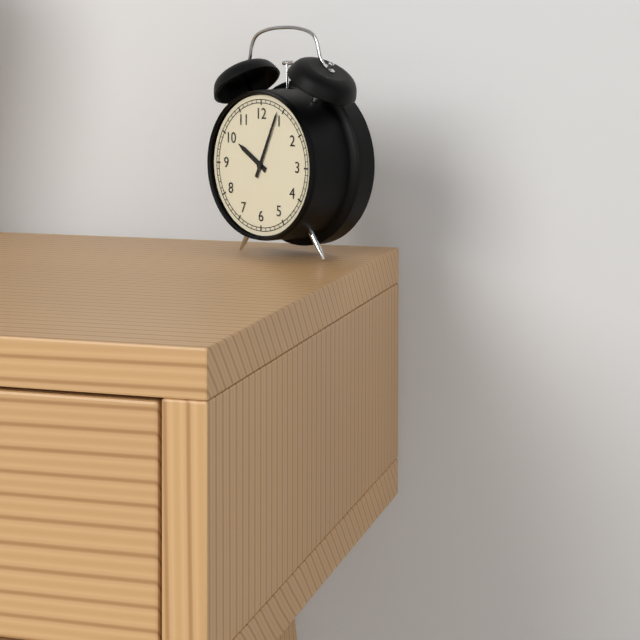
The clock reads 10.04
